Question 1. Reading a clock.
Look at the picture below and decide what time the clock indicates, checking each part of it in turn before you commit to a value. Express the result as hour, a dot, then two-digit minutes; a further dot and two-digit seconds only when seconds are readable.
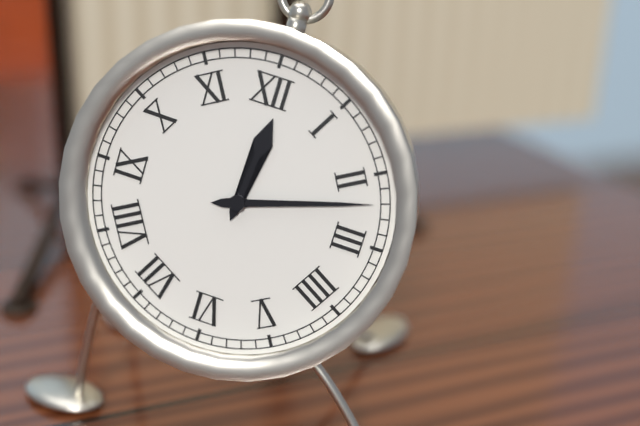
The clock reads 12.12
